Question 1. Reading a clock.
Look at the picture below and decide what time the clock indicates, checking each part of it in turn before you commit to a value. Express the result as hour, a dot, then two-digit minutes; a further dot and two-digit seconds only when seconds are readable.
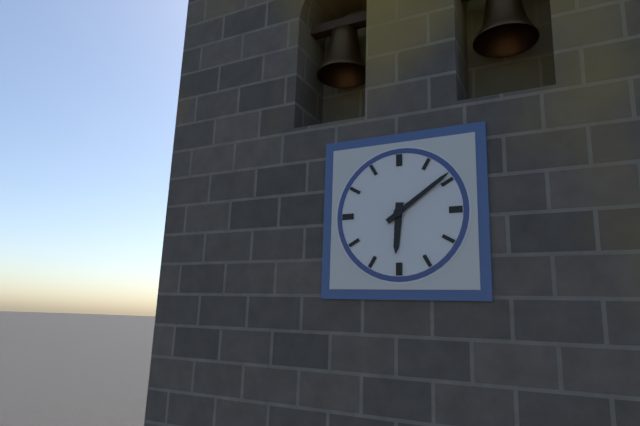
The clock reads 6.09
